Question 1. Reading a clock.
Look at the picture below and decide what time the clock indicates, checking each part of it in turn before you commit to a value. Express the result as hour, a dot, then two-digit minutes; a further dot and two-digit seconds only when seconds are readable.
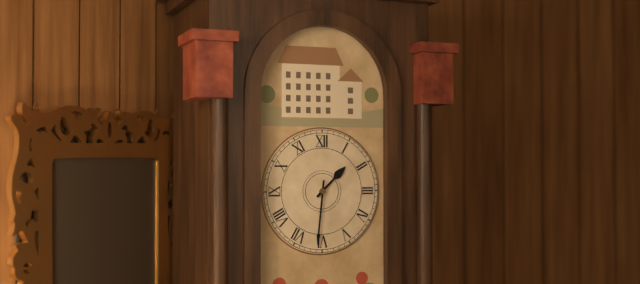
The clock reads 1.31
